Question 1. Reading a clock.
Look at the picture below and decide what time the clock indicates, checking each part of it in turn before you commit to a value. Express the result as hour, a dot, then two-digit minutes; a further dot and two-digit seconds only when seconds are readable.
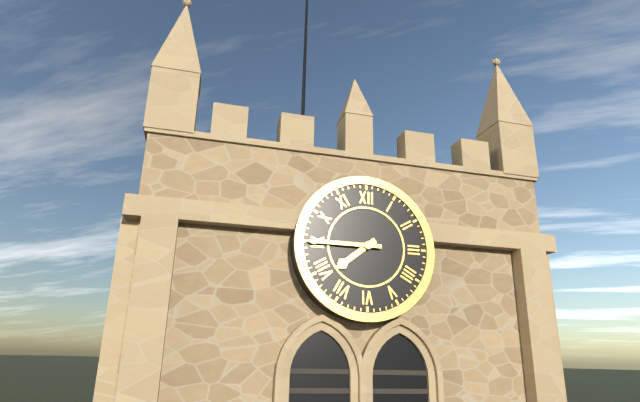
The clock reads 7.45
